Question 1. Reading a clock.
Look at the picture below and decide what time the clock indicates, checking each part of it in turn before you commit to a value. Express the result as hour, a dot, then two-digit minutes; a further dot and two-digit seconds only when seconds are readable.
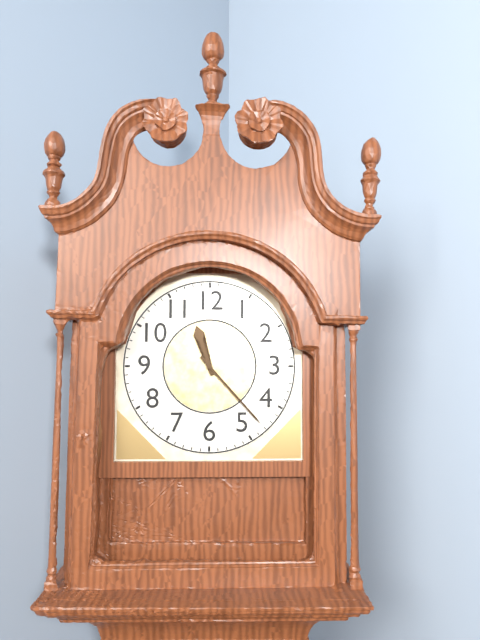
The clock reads 11.23
